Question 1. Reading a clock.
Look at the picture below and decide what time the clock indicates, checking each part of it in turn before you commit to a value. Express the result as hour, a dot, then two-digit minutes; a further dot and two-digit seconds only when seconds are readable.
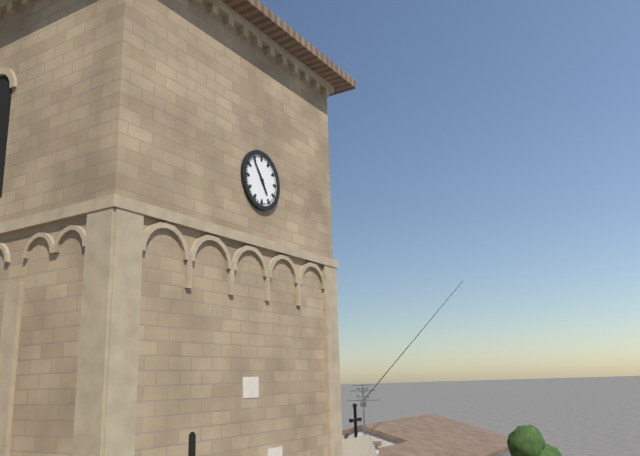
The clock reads 4.54
